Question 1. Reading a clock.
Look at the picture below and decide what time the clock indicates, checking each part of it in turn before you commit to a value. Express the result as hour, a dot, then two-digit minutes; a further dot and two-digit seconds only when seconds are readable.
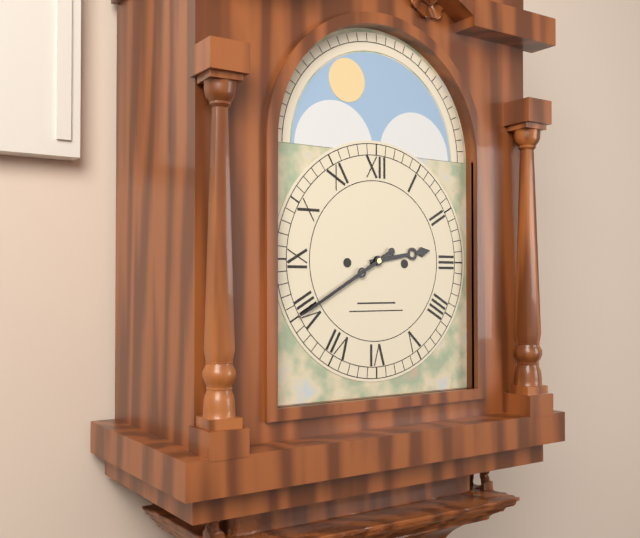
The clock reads 2.40
